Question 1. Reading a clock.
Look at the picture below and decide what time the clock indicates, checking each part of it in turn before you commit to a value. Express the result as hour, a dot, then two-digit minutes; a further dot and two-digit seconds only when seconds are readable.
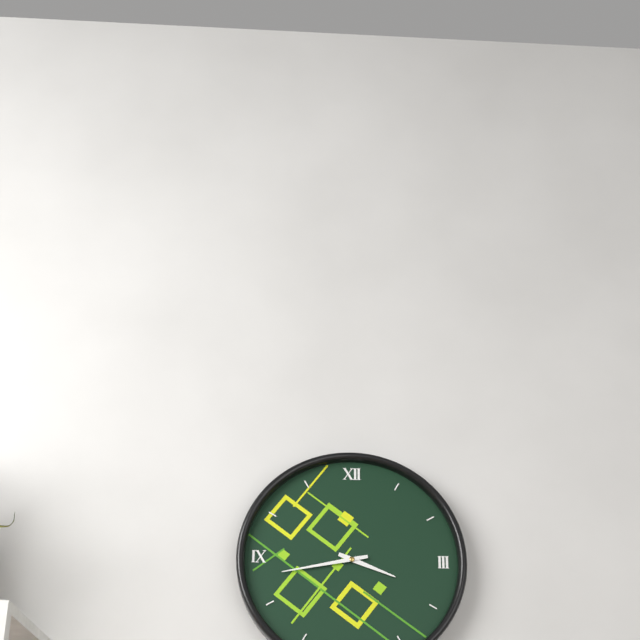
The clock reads 3.43
